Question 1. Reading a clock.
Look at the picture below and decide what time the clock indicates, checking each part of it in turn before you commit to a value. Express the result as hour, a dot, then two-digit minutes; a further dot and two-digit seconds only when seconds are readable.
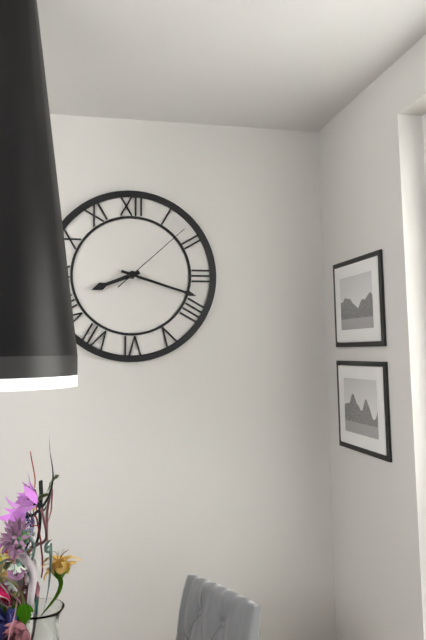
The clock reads 8.18.08
